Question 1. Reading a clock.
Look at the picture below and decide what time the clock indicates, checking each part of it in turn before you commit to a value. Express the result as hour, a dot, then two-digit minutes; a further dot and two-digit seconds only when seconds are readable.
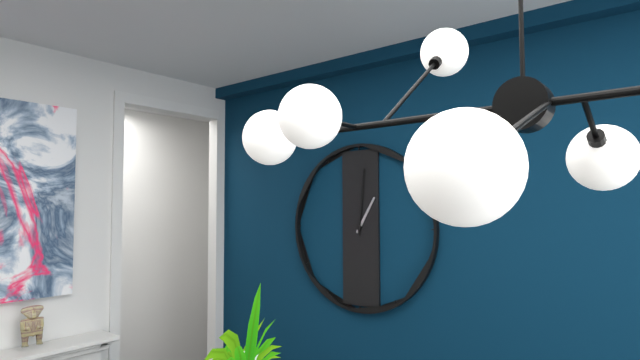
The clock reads 1.01
